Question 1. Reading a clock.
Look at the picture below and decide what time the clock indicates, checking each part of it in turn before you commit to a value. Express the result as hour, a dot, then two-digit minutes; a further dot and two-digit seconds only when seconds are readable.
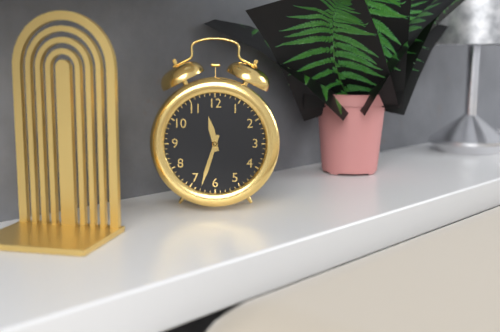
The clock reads 11.33
